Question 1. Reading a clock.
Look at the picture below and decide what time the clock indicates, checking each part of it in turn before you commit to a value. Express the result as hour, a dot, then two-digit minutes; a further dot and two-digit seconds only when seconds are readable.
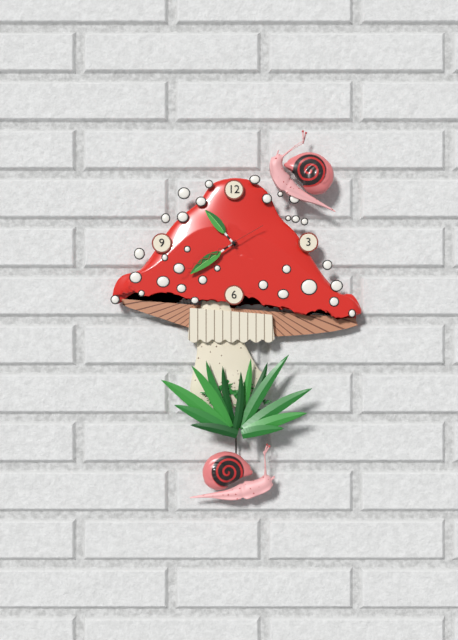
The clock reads 10.39.40
